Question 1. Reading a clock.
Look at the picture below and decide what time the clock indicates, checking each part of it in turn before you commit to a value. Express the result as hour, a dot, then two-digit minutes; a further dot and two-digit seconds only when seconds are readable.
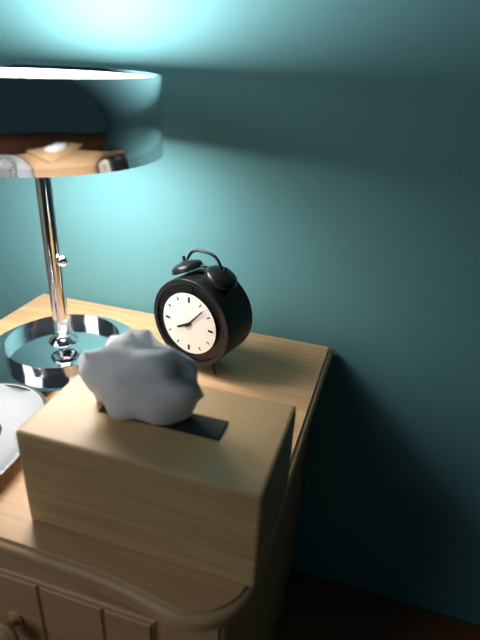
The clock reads 8.07
